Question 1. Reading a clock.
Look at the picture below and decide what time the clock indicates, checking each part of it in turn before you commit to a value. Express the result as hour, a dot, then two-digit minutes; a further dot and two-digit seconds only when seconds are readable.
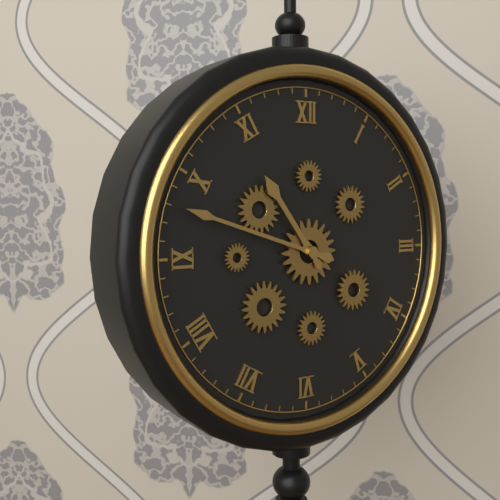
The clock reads 10.48
